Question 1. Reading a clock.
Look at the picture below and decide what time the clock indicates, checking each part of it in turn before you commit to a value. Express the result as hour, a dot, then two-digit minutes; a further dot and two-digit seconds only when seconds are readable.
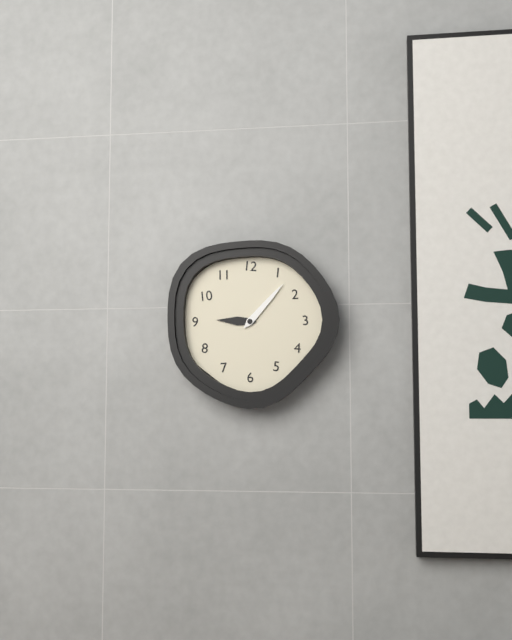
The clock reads 9.07
